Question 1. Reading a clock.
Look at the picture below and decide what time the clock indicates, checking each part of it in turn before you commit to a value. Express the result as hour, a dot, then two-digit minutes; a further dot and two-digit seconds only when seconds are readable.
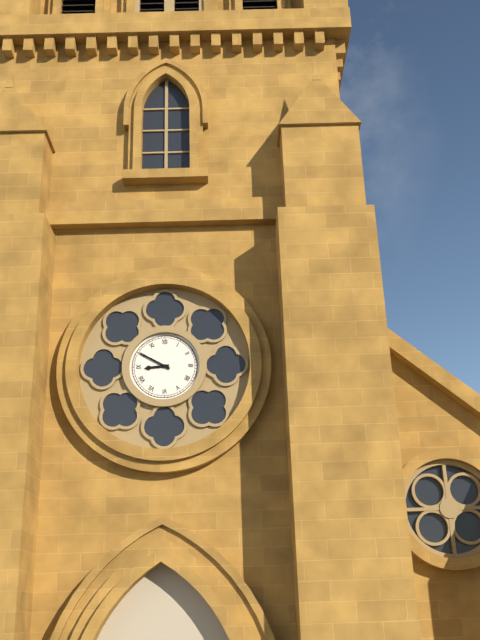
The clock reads 8.50
